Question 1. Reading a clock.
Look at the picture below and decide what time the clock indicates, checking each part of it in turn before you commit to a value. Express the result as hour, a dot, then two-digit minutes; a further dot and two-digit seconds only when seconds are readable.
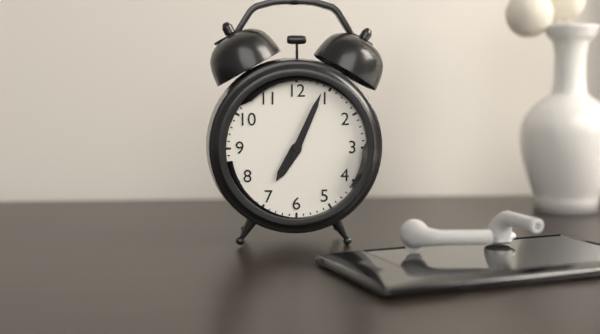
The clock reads 7.04
